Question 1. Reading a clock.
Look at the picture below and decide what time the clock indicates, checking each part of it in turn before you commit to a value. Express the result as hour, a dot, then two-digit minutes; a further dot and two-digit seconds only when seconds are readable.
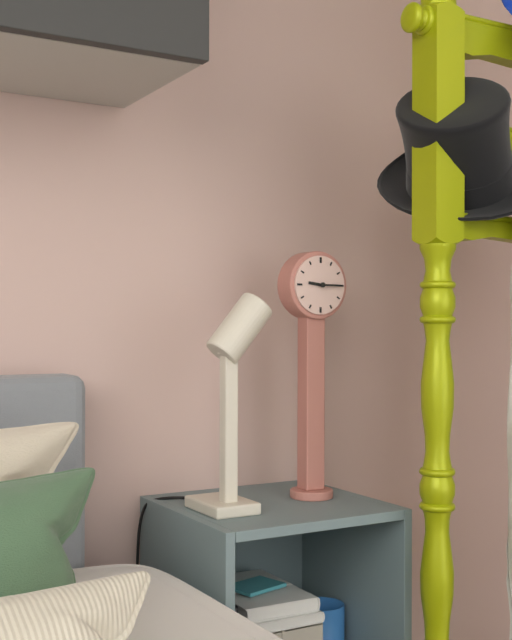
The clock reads 9.15
